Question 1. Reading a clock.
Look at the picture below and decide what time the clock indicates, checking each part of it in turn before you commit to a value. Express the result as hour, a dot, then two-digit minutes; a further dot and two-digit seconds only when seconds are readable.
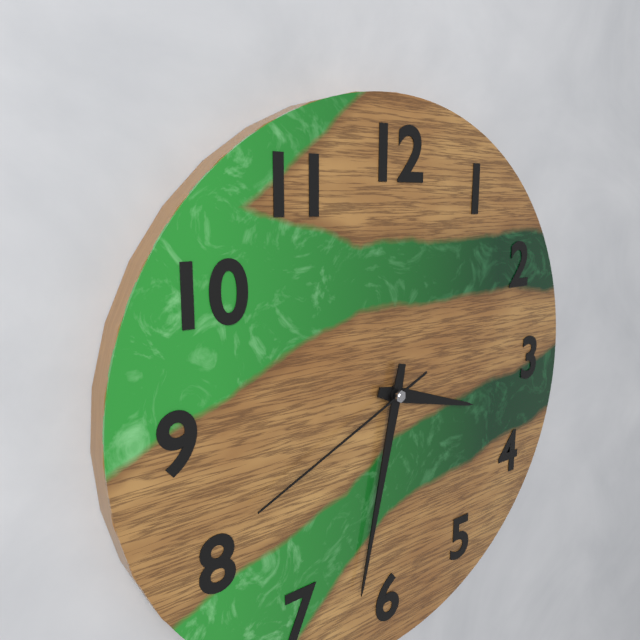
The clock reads 3.32.41
